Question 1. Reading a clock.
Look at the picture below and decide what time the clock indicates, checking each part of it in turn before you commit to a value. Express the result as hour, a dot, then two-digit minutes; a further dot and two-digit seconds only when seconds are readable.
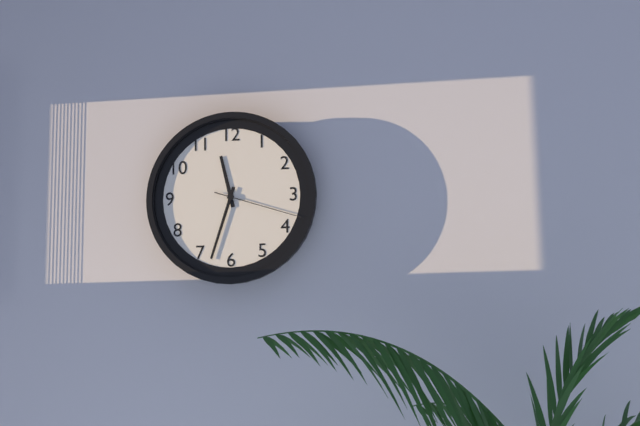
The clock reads 11.33.18
